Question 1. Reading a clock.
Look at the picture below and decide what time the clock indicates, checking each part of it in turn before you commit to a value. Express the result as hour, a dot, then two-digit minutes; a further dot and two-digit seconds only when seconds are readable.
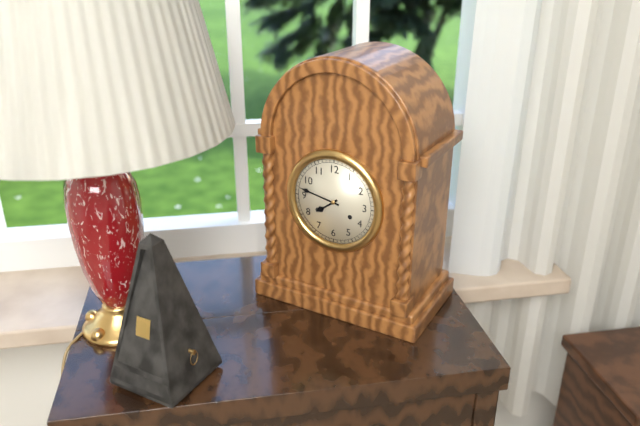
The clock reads 7.47
